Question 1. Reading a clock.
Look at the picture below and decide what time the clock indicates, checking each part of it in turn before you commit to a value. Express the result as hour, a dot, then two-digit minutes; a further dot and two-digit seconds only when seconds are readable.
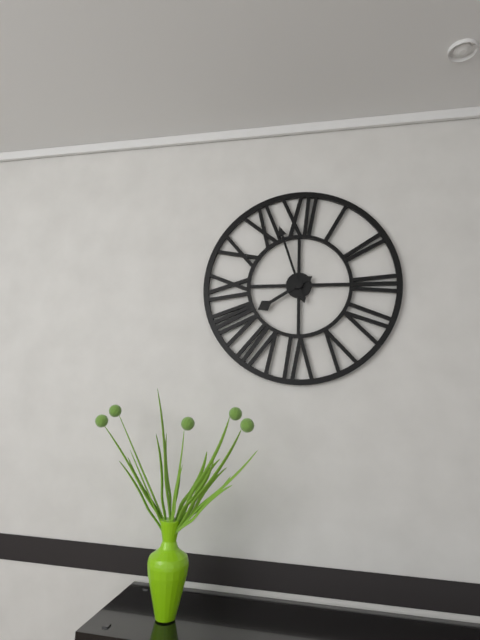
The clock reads 7.57
